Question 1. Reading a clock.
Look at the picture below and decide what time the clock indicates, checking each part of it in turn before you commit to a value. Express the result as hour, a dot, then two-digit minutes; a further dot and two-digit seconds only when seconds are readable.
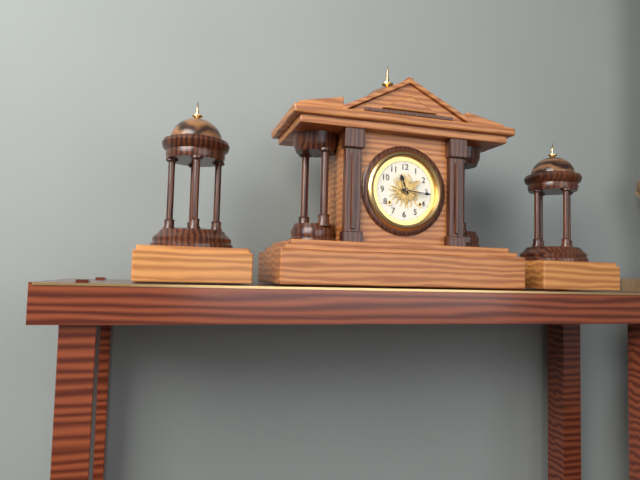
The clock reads 11.16
